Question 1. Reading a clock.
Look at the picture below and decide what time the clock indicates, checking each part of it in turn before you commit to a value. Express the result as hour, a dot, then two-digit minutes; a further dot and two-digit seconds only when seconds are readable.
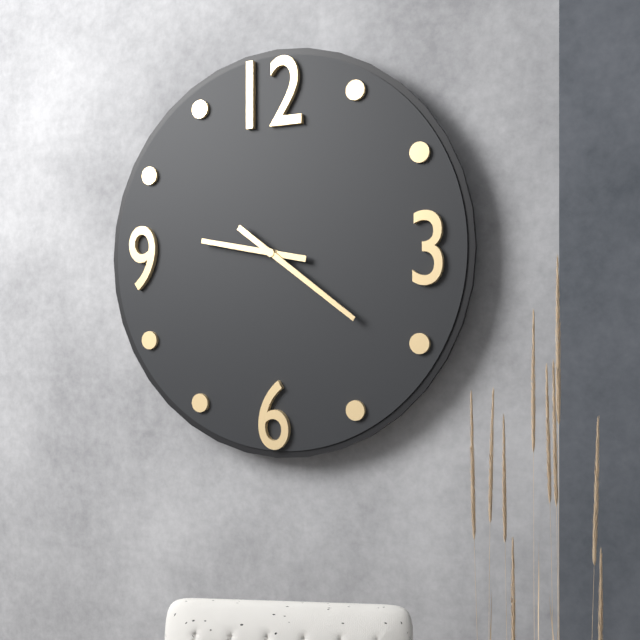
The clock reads 9.21
